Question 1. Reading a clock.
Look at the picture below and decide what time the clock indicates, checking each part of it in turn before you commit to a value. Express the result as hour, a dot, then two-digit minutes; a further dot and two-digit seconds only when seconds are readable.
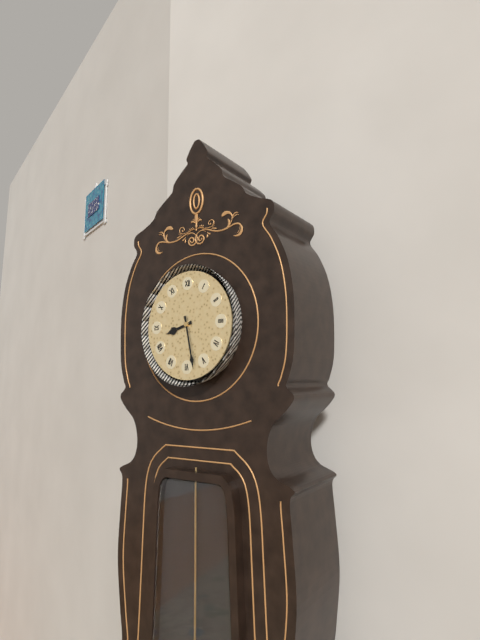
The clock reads 8.28
